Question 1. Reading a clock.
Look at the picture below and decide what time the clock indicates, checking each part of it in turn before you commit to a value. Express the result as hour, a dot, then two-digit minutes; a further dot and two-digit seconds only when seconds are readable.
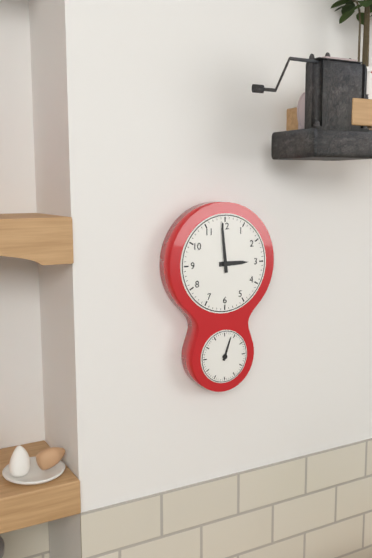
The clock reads 2.59
